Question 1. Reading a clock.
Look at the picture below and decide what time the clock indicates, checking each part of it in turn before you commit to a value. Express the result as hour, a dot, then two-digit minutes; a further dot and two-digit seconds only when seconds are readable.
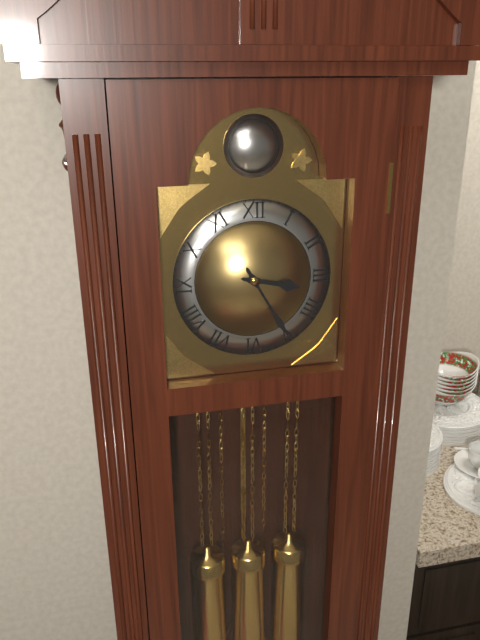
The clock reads 3.25
